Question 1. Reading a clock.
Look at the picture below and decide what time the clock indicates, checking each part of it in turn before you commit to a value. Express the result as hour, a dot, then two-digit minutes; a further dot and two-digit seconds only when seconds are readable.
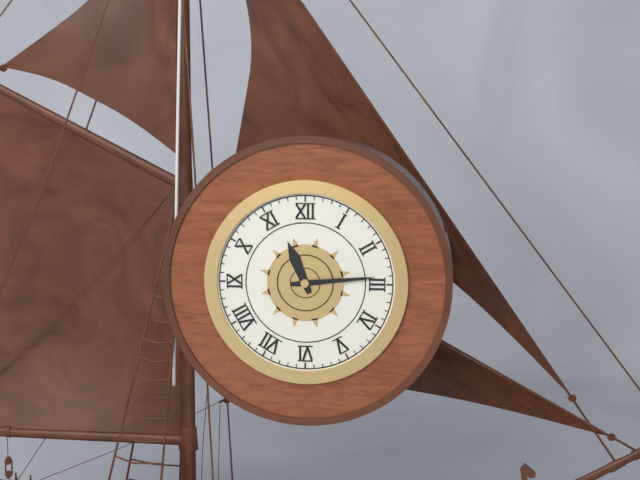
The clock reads 11.14
